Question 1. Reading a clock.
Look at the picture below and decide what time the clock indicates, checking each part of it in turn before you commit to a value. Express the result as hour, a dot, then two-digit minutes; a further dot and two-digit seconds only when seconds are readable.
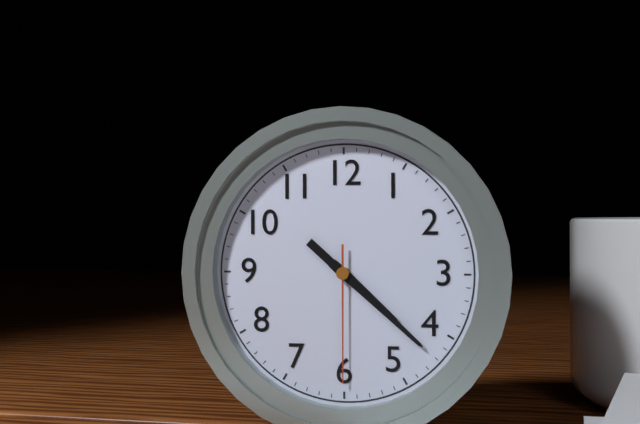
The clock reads 4.22.30
